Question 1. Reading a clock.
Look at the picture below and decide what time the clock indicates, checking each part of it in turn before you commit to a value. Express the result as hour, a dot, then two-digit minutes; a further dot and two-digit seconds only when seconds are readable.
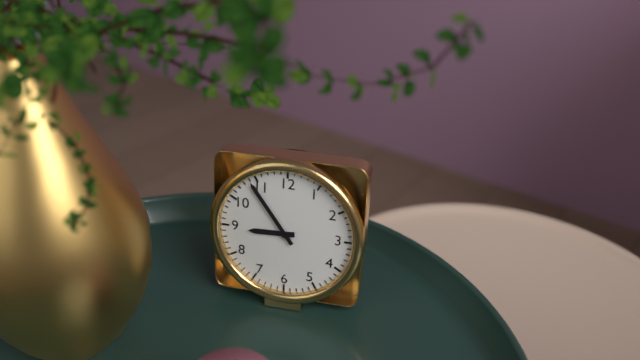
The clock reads 8.54
